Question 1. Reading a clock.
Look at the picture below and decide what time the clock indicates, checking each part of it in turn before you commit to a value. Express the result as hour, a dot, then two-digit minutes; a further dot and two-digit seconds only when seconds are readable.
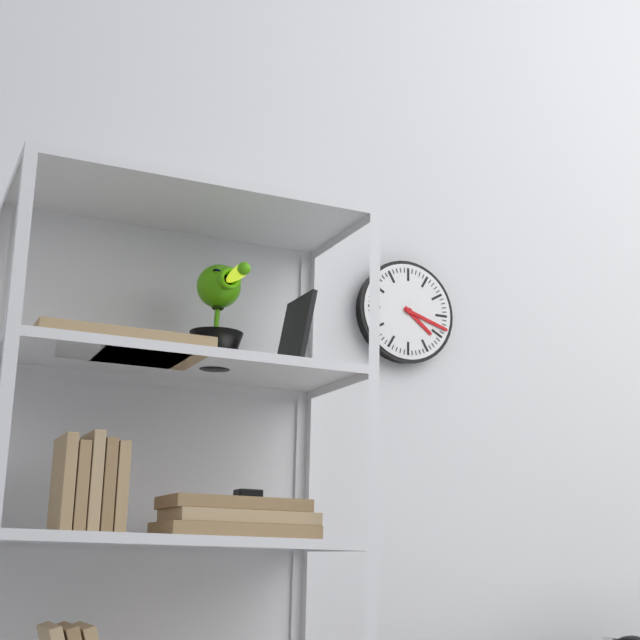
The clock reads 4.18
